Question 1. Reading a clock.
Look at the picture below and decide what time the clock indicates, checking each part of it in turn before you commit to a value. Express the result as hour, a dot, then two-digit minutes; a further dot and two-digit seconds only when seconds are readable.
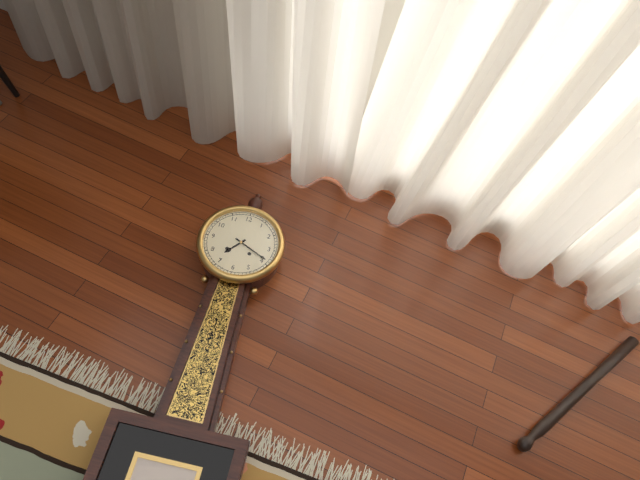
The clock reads 7.19
